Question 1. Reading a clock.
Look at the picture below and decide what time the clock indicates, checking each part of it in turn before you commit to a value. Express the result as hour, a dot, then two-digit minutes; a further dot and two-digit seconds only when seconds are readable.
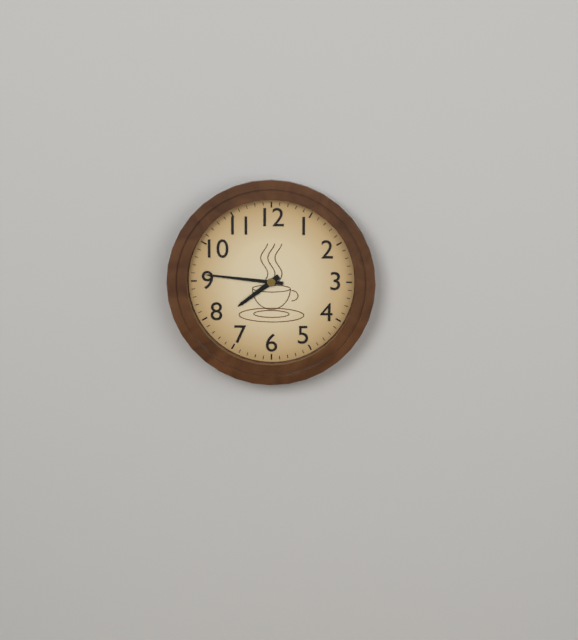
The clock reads 7.46
